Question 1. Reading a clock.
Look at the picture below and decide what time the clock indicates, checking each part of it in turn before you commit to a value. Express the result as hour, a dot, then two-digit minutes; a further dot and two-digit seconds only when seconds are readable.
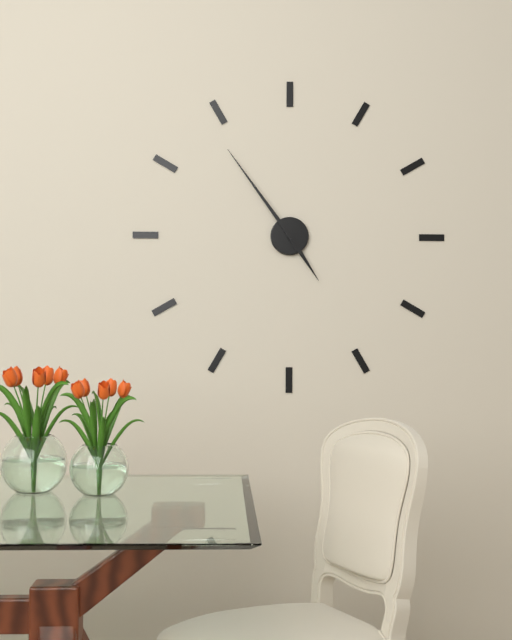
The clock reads 4.54
